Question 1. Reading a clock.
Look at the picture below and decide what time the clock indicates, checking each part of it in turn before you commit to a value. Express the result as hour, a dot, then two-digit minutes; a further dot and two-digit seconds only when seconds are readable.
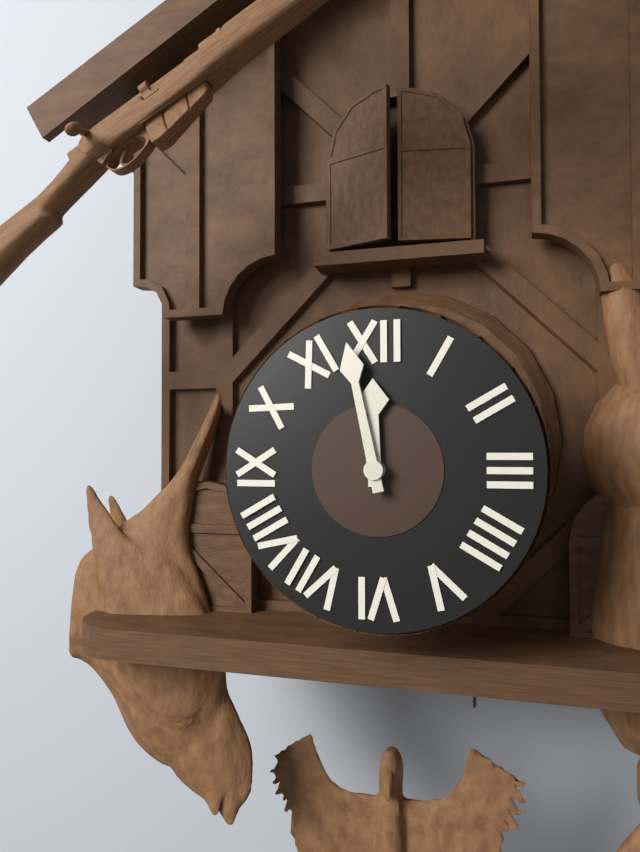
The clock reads 11.58
